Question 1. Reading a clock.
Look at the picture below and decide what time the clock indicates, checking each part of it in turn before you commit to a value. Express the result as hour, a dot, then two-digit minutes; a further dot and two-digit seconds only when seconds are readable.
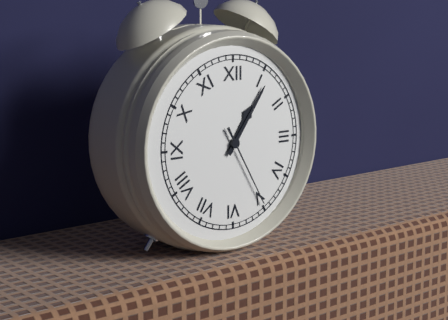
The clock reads 1.06.25
